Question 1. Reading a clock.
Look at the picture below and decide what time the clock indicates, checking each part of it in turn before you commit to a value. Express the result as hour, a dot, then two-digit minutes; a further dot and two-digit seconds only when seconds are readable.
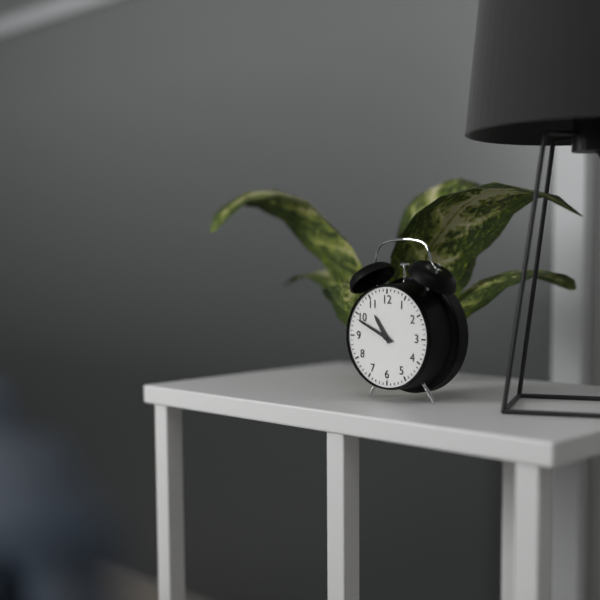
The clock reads 10.49
